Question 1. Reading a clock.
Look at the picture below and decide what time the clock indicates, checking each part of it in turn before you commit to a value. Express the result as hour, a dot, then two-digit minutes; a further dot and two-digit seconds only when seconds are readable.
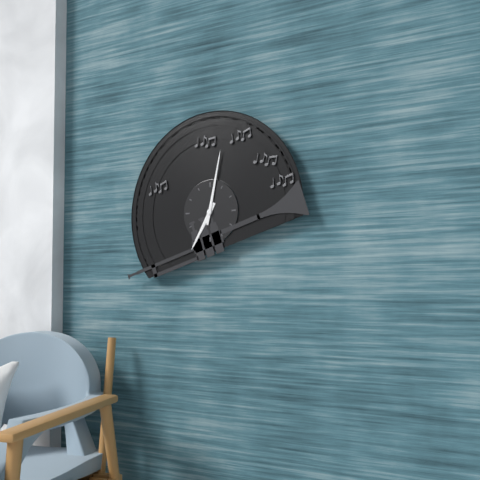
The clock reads 7.02
